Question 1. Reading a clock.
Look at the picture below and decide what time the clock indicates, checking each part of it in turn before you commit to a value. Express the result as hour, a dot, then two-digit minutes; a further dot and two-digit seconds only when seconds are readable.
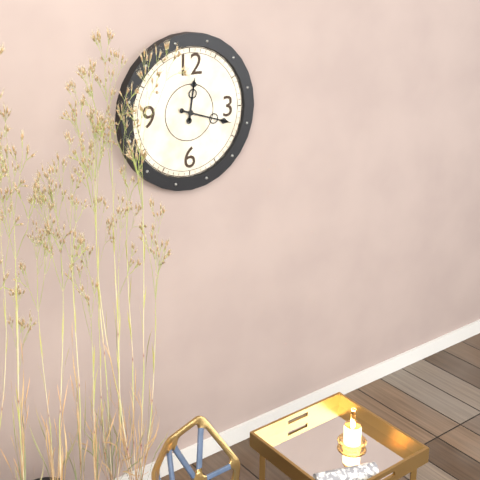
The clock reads 12.18
